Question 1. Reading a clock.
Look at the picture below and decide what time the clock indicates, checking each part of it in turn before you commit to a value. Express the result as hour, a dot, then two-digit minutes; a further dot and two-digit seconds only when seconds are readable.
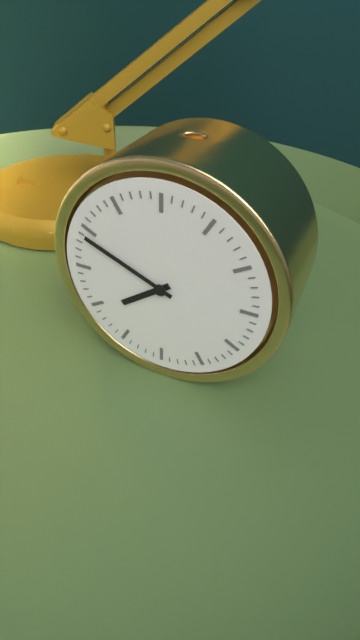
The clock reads 7.49
